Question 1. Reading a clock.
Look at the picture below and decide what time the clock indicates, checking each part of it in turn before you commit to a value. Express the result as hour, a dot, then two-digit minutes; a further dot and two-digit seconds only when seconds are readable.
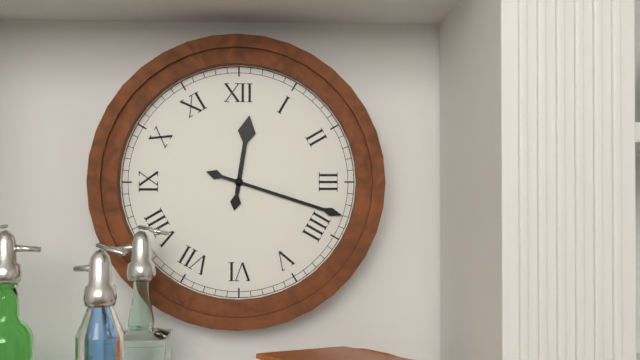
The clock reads 12.18
